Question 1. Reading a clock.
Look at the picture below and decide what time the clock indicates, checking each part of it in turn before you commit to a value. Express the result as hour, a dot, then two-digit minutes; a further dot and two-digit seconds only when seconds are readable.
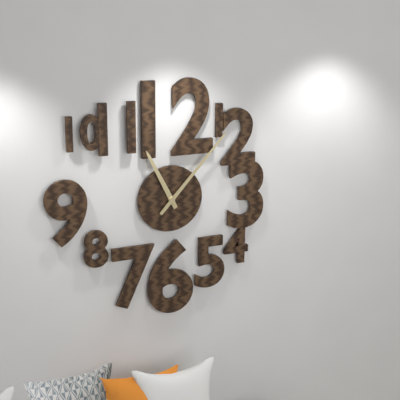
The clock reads 11.07
